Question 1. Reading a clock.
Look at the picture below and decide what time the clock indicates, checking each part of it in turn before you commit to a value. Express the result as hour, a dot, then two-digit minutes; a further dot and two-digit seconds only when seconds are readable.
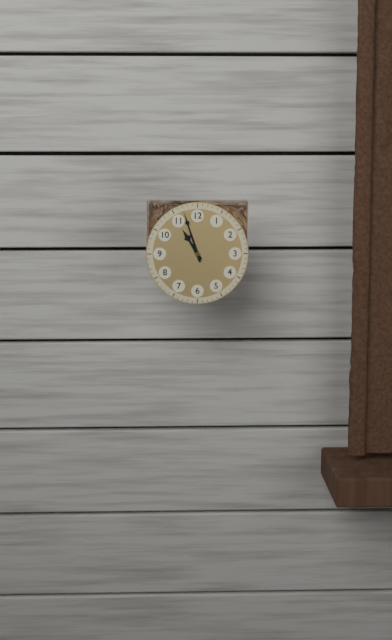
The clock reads 10.57
